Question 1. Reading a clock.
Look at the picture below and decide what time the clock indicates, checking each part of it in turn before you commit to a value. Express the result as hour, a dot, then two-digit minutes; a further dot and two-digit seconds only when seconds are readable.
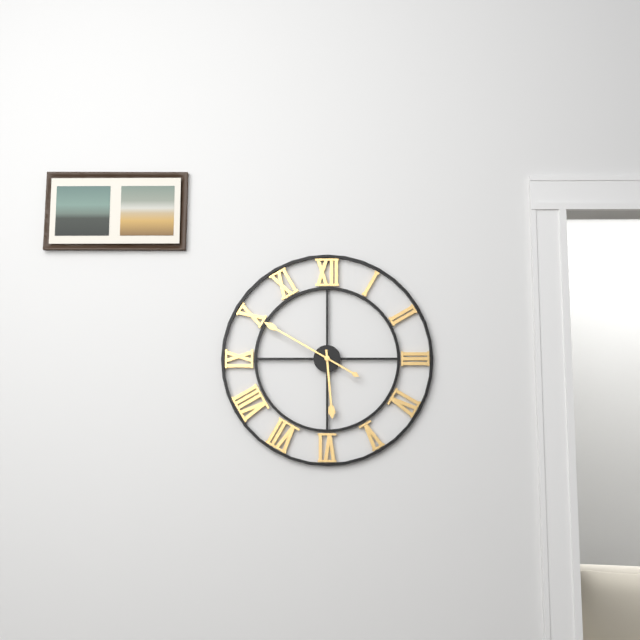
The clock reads 5.50
